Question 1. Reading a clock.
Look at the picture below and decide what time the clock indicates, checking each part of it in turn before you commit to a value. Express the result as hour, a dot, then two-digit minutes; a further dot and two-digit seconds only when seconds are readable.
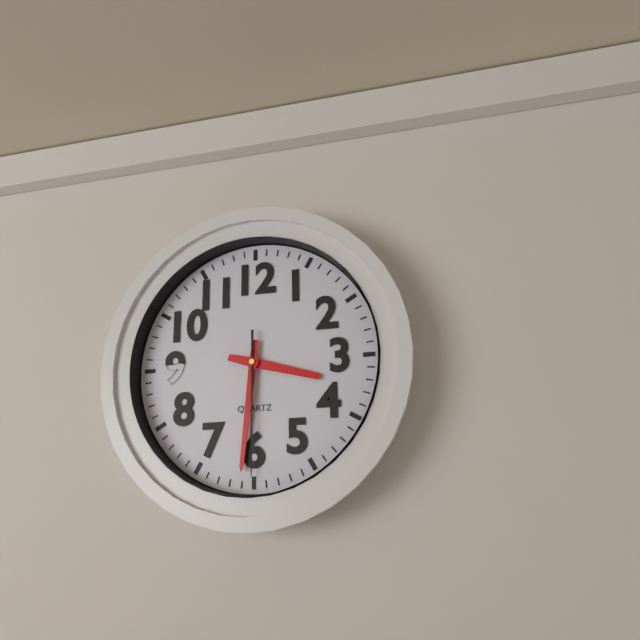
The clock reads 3.31.30
